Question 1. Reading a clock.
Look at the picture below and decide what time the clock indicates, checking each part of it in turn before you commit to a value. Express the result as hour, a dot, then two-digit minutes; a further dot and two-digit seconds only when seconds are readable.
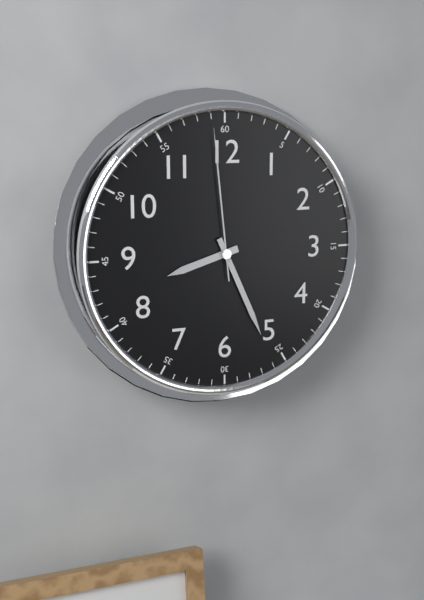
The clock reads 8.26.59
